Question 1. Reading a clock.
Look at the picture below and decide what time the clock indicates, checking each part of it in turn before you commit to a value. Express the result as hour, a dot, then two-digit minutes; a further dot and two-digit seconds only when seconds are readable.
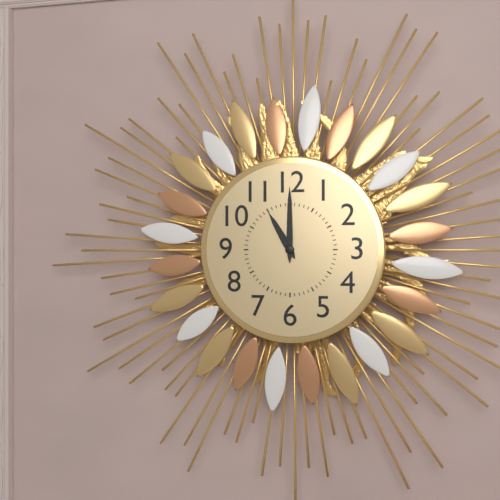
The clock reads 11.00
